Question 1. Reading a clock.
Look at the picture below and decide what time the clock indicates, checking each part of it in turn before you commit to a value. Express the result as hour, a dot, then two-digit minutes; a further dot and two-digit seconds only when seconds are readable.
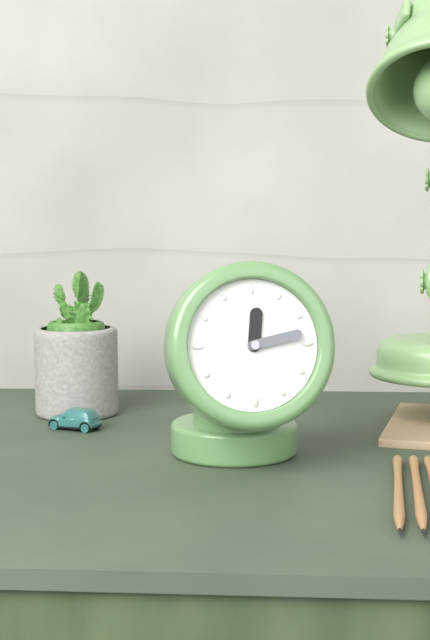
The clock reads 12.13
